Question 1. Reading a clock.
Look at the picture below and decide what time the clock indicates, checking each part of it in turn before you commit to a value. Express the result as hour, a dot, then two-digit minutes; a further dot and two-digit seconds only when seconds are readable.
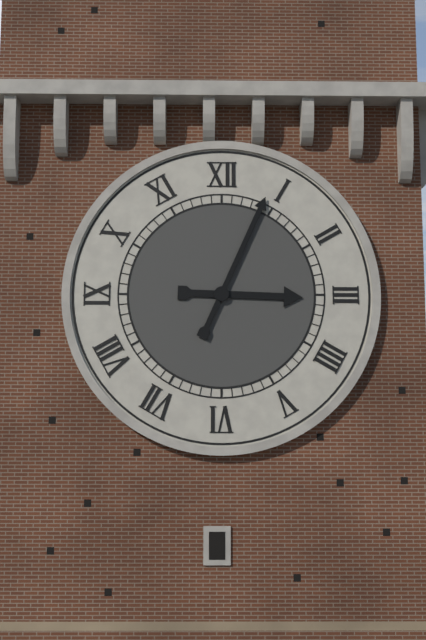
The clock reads 3.04
